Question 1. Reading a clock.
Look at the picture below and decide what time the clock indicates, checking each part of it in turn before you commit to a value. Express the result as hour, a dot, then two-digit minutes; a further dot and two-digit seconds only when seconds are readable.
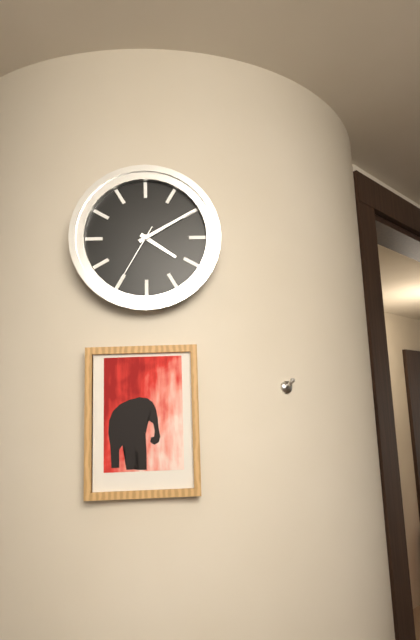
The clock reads 4.10.35
